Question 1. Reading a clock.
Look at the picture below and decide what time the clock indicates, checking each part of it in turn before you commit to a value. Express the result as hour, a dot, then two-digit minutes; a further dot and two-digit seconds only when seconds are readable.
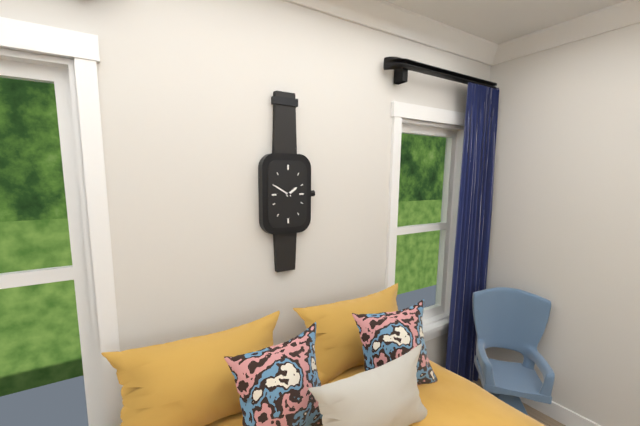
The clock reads 1.50
